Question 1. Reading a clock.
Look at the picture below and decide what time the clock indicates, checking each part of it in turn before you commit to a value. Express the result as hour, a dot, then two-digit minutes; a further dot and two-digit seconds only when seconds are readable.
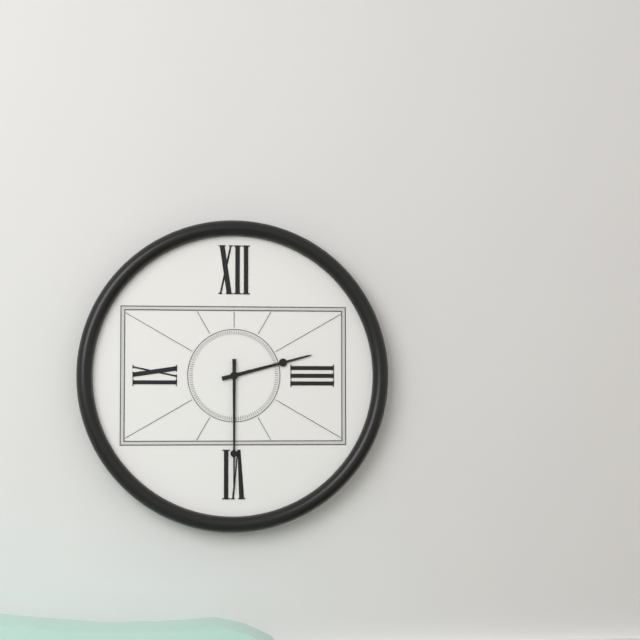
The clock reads 2.30
